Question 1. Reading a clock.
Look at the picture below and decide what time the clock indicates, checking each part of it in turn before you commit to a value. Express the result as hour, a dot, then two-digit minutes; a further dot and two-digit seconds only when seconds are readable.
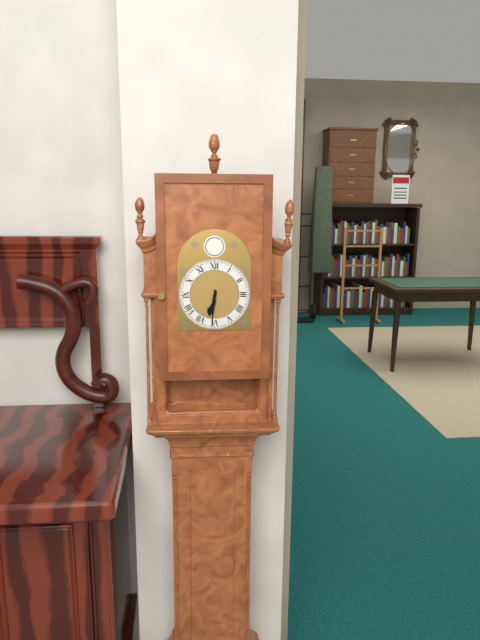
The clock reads 6.31
